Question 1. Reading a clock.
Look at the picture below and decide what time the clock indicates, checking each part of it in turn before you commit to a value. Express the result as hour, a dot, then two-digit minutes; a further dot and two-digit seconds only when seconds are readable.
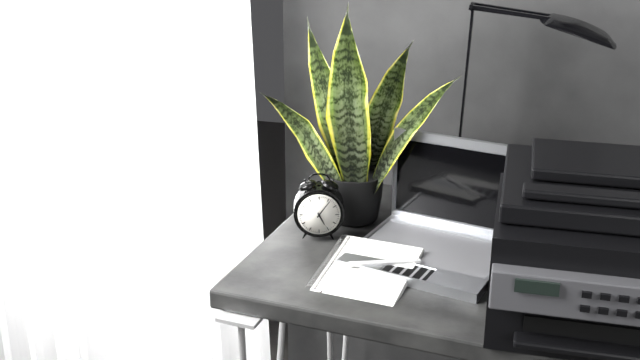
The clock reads 5.06
